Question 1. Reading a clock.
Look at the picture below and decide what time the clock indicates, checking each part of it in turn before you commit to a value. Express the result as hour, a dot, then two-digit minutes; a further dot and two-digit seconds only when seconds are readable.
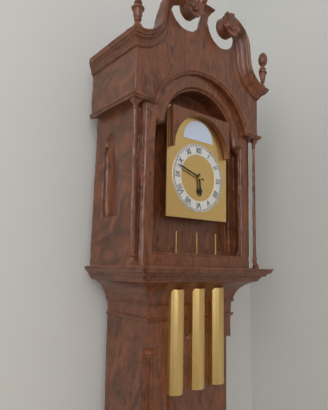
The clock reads 5.48
